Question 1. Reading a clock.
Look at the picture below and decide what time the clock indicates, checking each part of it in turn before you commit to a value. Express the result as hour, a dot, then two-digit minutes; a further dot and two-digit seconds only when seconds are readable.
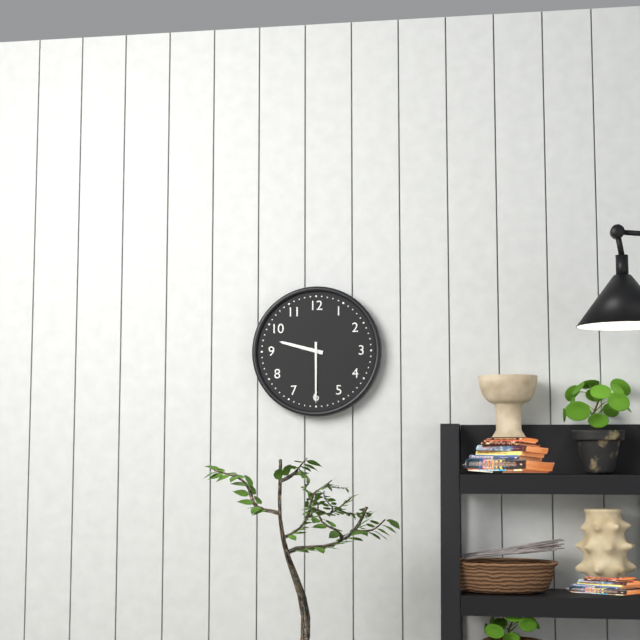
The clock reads 9.30
